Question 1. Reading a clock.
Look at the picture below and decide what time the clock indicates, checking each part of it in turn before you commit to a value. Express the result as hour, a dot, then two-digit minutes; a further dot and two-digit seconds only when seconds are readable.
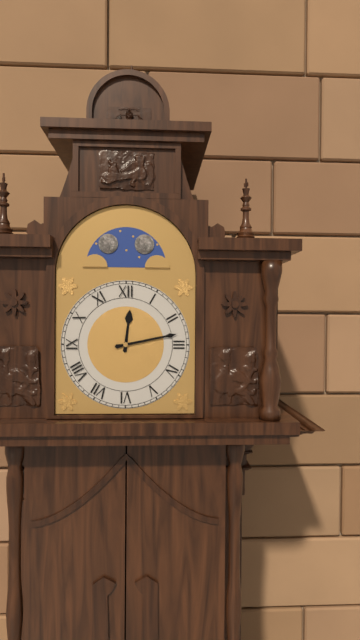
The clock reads 12.13
